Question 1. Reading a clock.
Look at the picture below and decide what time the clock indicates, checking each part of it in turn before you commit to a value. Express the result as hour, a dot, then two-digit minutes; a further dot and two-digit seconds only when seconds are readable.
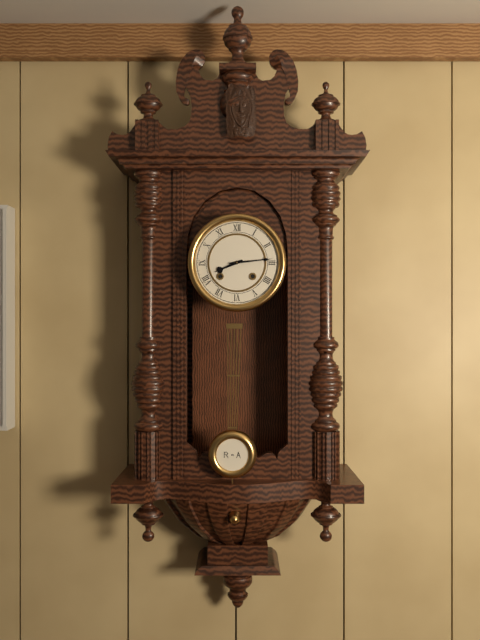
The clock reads 8.14
